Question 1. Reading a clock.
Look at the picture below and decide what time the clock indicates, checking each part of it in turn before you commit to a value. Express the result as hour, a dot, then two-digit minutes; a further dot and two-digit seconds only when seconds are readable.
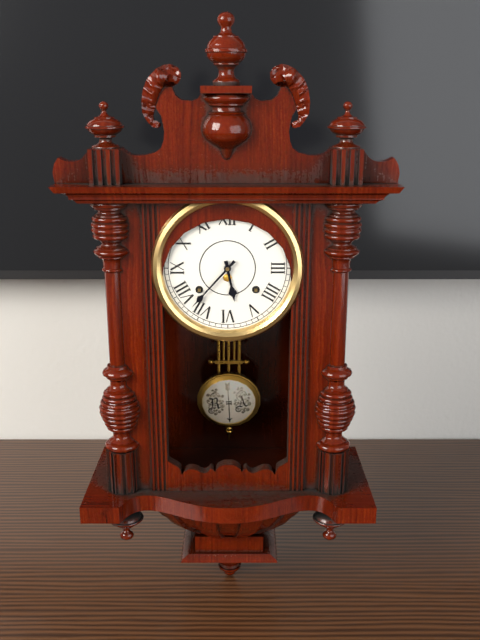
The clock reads 5.37
